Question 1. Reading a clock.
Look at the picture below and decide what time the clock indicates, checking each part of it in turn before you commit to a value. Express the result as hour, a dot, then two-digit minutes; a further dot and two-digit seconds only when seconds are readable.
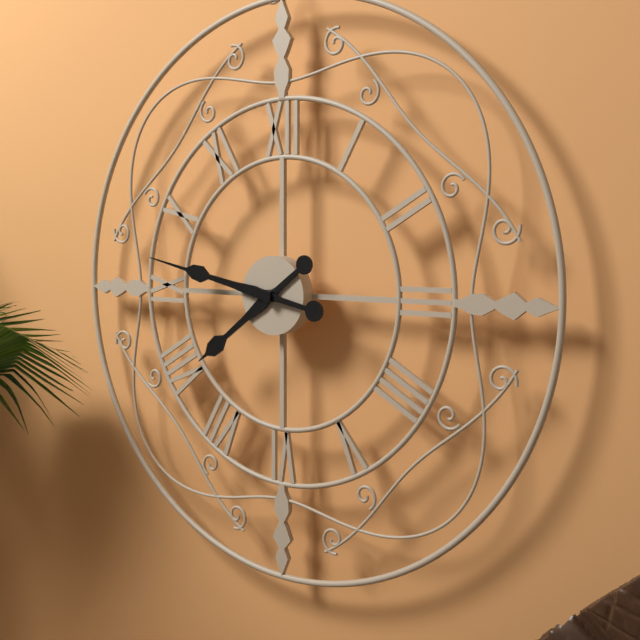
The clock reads 7.47
